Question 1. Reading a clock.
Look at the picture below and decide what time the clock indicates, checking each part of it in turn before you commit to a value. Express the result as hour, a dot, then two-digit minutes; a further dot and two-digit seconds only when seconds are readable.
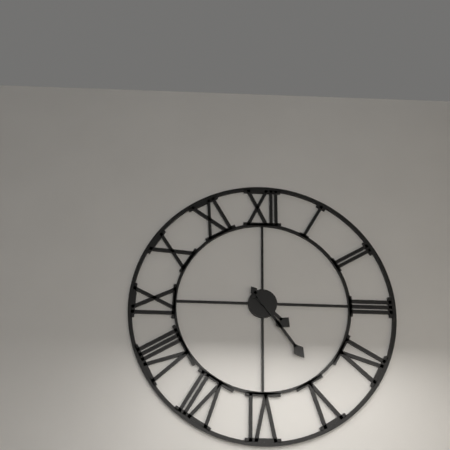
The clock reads 4.24
